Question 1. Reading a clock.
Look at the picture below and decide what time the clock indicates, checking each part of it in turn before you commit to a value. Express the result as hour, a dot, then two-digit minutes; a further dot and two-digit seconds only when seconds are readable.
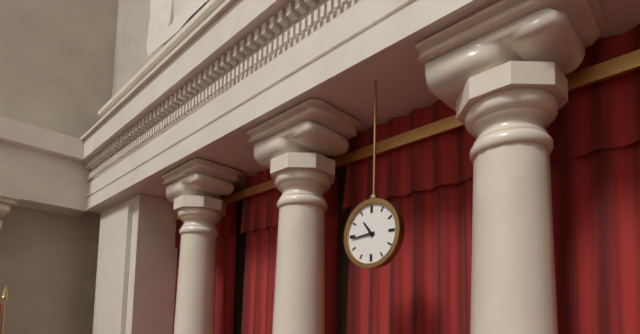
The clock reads 10.44
